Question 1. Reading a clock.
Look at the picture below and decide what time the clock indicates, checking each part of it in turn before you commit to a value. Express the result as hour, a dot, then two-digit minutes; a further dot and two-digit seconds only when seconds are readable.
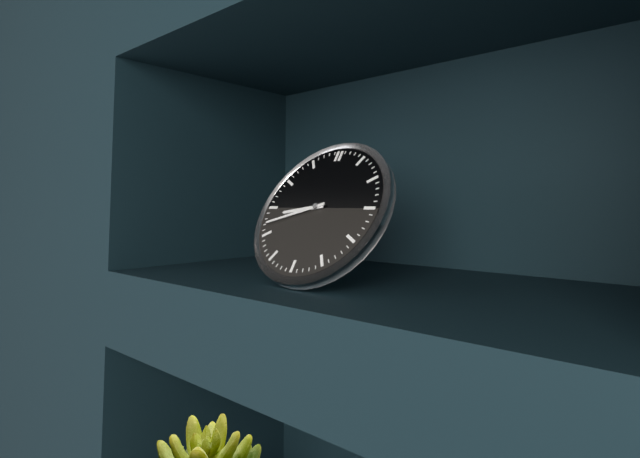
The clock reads 8.42
